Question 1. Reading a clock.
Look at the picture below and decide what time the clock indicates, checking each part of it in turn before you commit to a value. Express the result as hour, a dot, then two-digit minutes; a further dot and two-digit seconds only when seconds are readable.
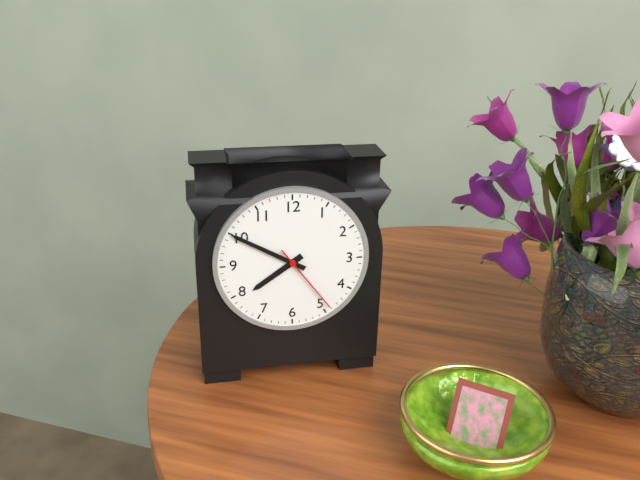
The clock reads 7.50.24
